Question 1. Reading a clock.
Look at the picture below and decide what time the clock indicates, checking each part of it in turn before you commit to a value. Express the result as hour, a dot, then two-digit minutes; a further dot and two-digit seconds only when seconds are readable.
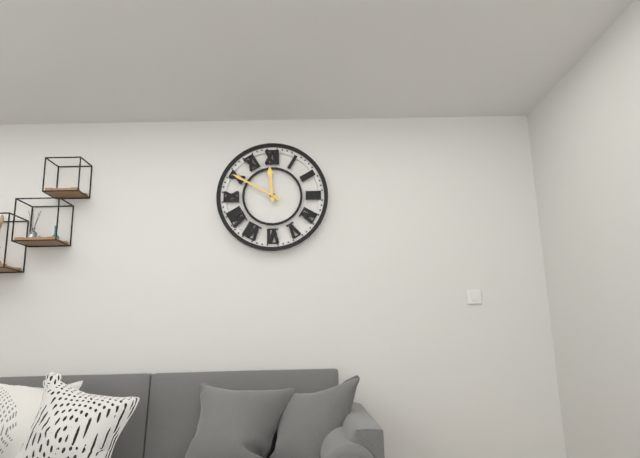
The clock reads 11.50
